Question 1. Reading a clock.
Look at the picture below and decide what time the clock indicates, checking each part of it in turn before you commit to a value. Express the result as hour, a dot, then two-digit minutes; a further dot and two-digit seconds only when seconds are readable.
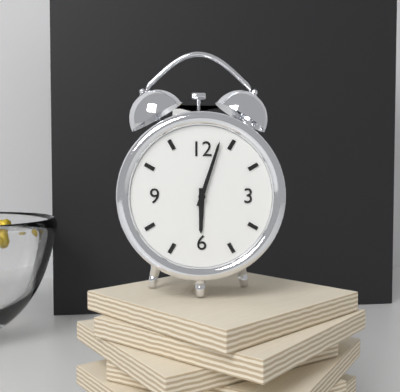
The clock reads 6.03
